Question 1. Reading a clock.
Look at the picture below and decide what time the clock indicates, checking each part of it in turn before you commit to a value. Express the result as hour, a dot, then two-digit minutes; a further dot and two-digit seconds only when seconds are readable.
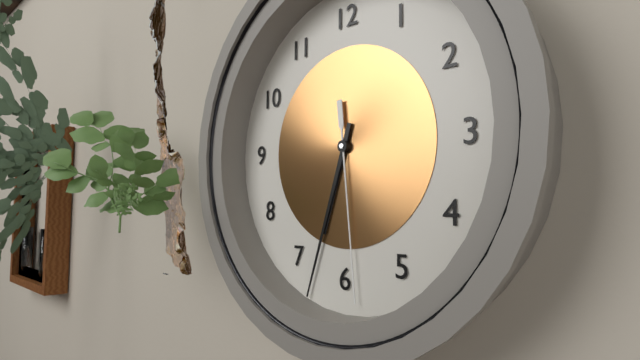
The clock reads 6.33.29
